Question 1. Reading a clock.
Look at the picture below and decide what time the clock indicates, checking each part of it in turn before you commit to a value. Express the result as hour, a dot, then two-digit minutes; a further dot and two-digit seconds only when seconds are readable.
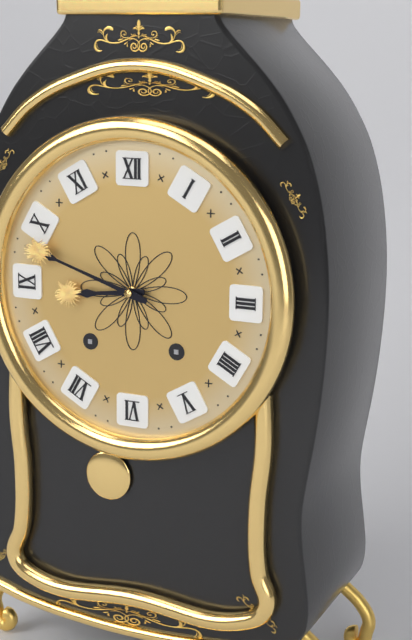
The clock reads 8.48
